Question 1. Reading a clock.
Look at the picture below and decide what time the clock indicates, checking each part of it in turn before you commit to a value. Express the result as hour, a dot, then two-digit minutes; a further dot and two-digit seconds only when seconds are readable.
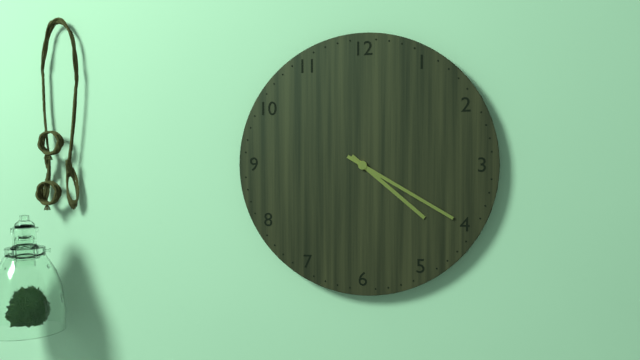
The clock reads 4.20
